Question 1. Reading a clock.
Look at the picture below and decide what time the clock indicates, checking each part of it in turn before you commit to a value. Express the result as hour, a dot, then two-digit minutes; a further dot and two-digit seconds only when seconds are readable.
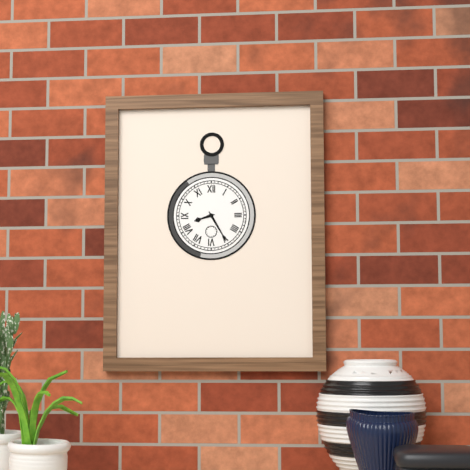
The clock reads 8.25
